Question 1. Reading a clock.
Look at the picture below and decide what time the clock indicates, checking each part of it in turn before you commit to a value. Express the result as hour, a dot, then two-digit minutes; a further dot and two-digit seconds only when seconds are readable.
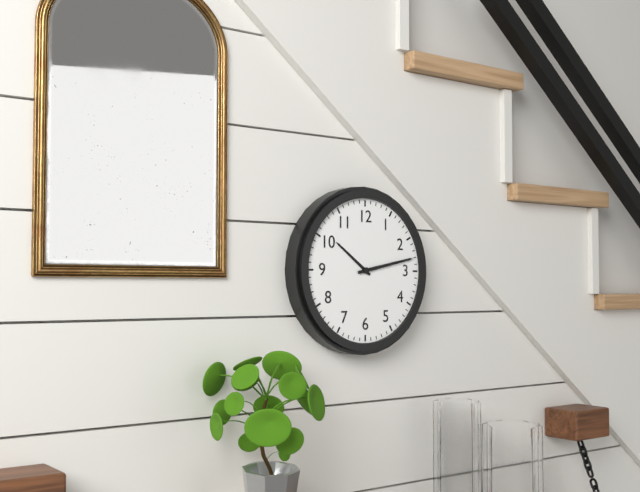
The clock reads 10.13
